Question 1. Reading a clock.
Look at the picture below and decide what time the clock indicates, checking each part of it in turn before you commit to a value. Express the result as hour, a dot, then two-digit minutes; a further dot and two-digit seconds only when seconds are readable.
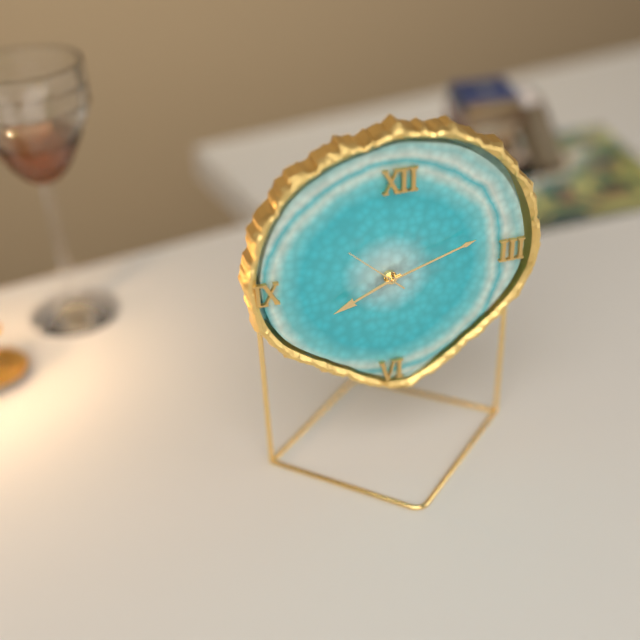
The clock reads 8.12.52
